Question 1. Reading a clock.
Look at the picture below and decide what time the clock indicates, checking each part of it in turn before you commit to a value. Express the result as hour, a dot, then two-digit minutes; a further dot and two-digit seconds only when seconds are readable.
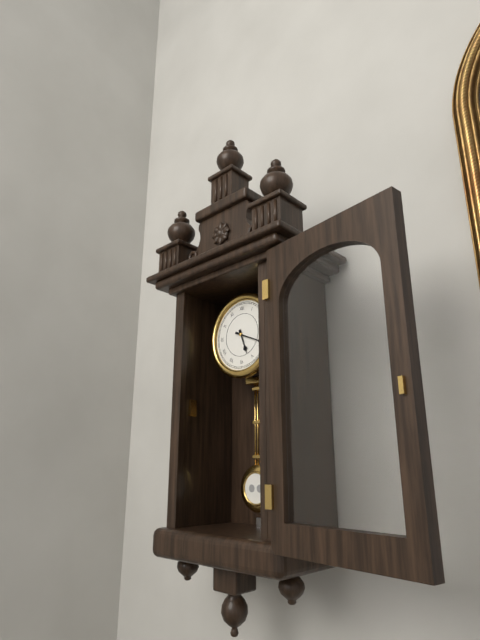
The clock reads 5.19
